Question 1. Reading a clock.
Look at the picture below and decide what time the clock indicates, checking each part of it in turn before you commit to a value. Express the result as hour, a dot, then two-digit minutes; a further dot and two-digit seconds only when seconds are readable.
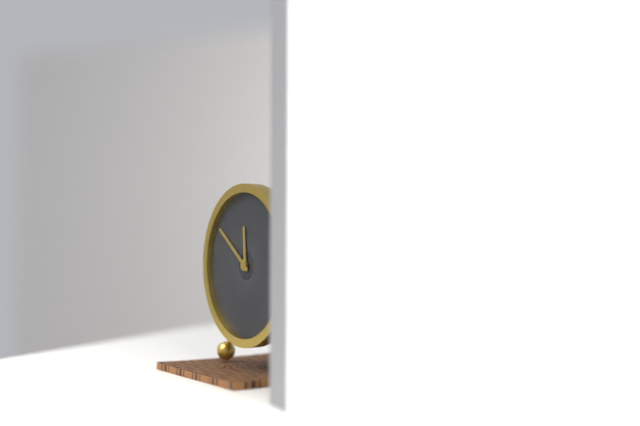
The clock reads 11.51
